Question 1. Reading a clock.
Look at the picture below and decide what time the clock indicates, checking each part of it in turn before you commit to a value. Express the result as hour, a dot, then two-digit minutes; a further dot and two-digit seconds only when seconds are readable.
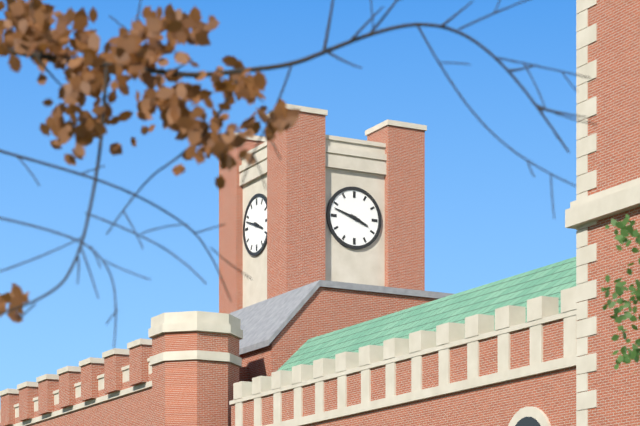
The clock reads 3.48
